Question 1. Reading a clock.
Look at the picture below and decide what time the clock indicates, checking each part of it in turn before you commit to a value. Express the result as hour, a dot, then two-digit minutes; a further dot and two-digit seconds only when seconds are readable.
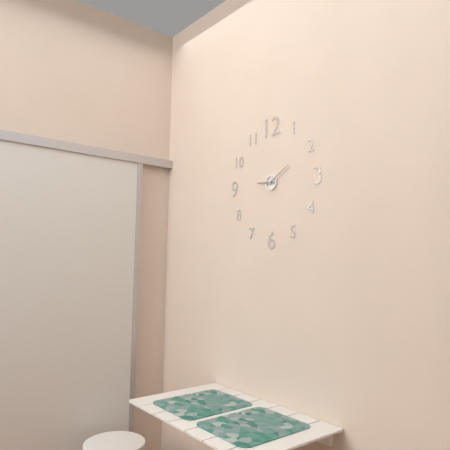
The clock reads 9.10
